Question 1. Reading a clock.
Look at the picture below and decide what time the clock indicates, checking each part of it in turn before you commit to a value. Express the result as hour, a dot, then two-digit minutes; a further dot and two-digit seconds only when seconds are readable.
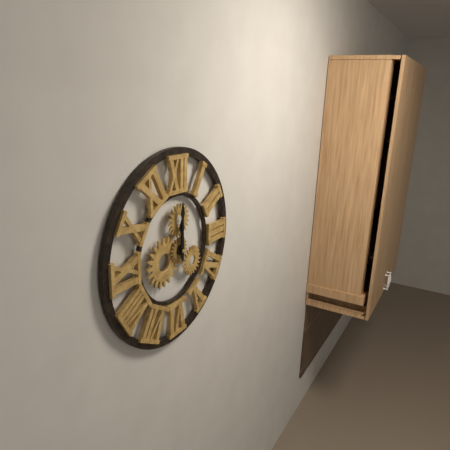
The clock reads 12.00
